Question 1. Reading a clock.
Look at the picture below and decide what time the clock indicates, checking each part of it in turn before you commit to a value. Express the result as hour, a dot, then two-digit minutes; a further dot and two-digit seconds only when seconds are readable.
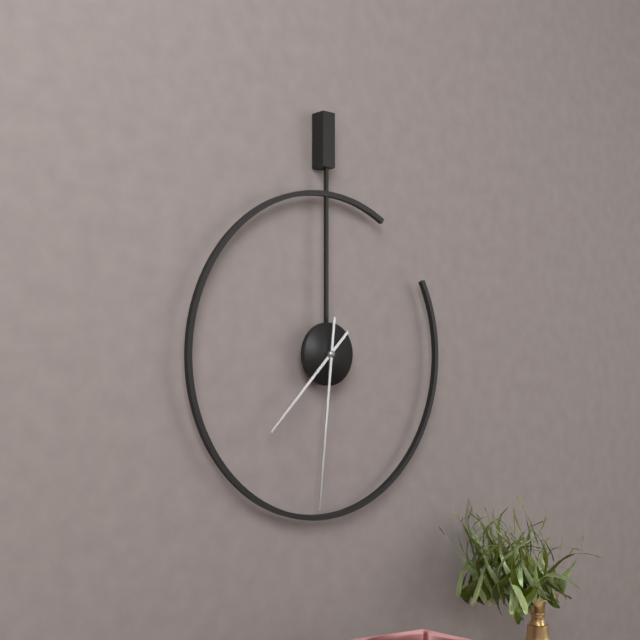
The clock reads 7.31
